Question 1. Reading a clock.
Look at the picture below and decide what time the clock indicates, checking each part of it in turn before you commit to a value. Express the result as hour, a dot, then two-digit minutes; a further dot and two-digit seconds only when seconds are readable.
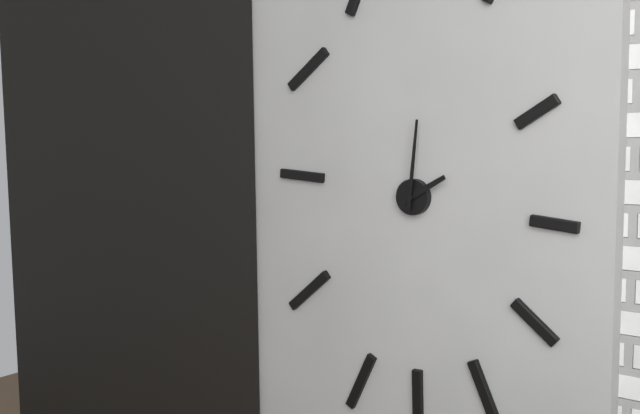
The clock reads 2.01
